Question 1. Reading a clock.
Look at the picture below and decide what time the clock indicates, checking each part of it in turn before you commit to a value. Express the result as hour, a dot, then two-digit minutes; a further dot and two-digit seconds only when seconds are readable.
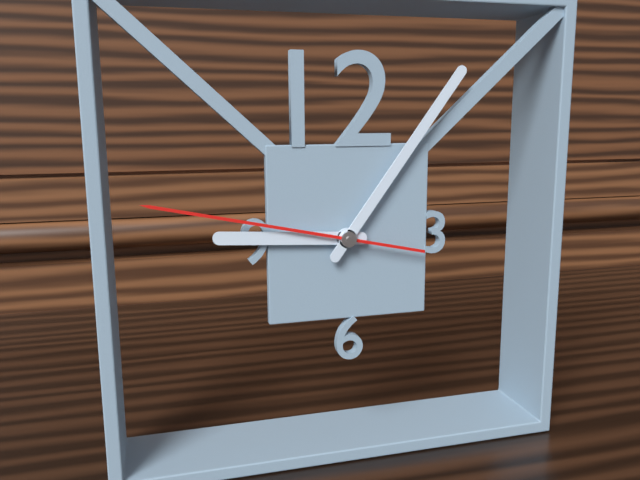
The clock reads 9.06.47
